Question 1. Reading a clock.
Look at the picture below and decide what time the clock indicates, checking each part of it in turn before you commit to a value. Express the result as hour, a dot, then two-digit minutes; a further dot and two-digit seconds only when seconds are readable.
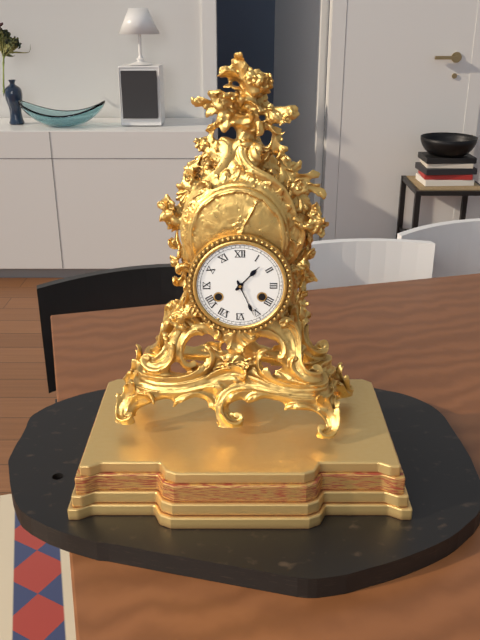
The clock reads 1.26
